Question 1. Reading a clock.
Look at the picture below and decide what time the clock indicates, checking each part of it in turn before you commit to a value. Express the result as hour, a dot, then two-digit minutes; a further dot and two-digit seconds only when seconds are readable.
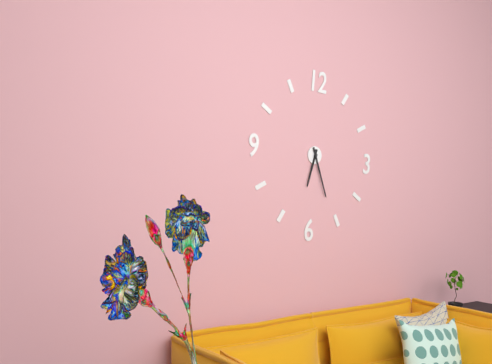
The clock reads 6.26
